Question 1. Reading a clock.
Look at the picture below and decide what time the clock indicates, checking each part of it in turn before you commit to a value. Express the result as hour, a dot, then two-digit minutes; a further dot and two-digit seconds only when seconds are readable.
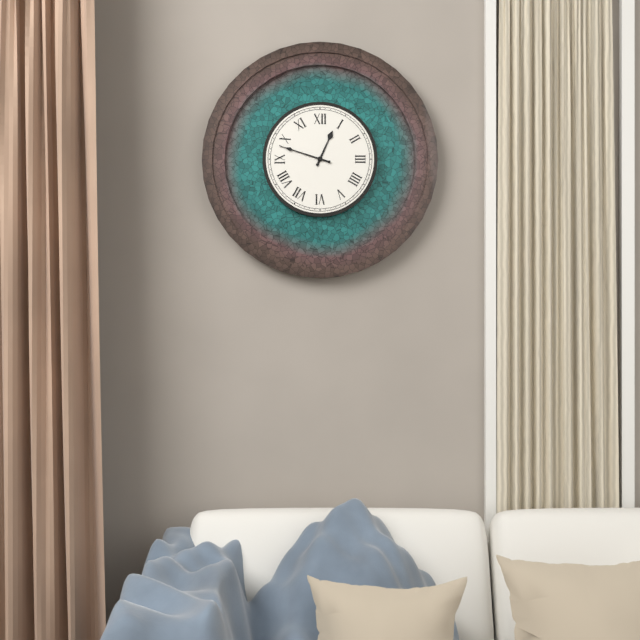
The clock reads 12.48
